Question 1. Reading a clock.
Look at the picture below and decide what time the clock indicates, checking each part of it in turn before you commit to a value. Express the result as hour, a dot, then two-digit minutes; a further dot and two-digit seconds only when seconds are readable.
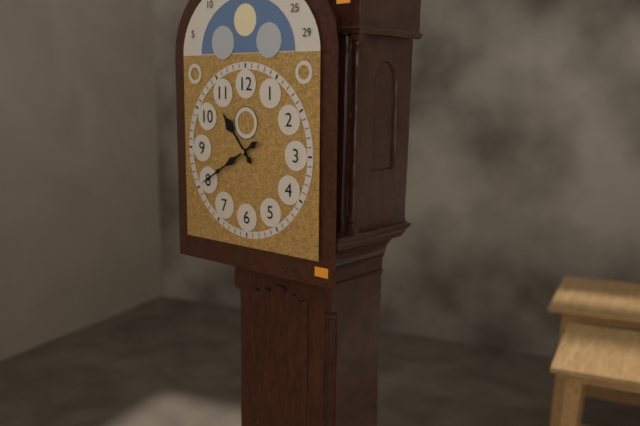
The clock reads 10.40
